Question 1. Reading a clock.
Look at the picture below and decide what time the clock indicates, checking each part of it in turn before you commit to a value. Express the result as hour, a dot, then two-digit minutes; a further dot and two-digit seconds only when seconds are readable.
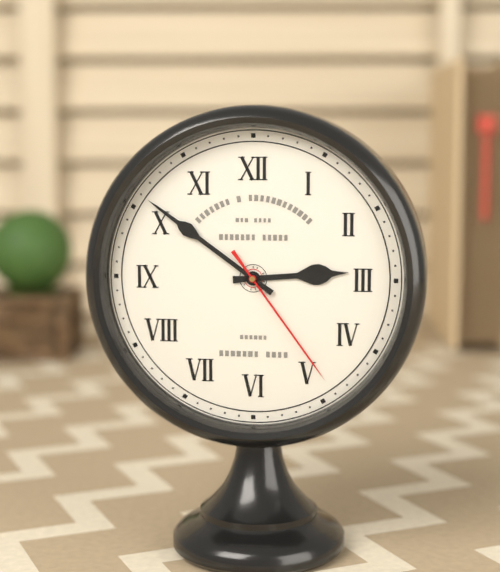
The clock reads 2.51.24
